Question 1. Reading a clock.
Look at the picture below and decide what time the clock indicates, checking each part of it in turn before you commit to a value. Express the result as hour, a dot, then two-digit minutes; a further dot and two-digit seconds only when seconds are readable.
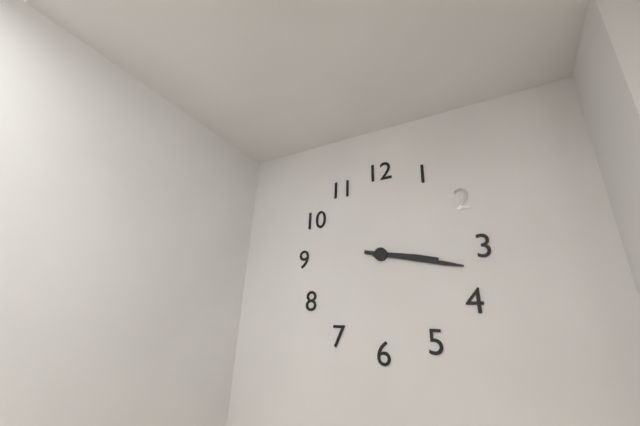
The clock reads 3.17
